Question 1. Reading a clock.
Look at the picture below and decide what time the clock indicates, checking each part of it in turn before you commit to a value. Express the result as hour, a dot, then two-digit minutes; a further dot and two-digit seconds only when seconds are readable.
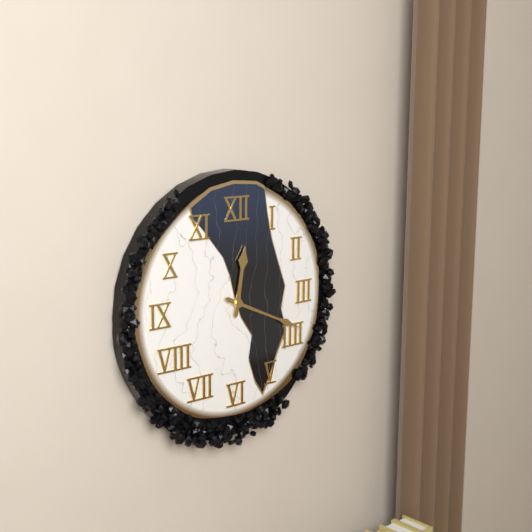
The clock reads 12.19
